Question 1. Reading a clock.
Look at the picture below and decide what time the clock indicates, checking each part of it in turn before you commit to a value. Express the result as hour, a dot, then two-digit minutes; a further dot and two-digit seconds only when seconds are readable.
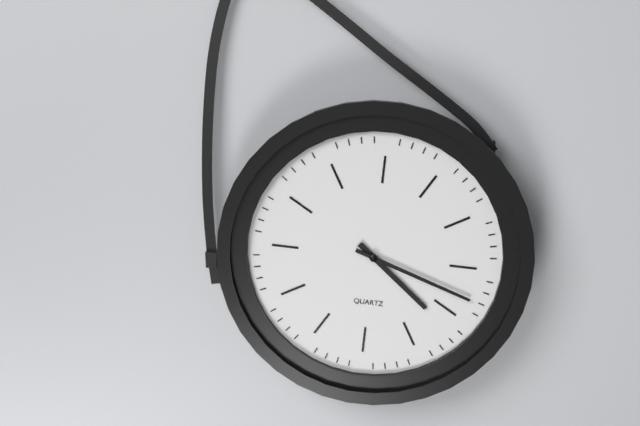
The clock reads 4.18
